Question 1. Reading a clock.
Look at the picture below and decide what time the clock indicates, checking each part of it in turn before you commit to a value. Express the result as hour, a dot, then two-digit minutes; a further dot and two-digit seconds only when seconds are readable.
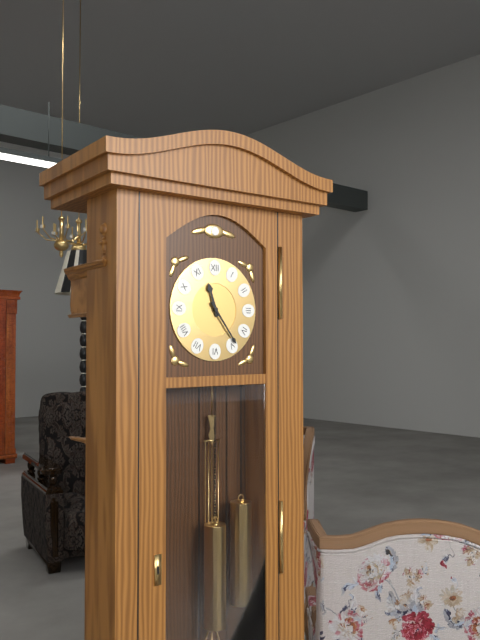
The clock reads 11.24
